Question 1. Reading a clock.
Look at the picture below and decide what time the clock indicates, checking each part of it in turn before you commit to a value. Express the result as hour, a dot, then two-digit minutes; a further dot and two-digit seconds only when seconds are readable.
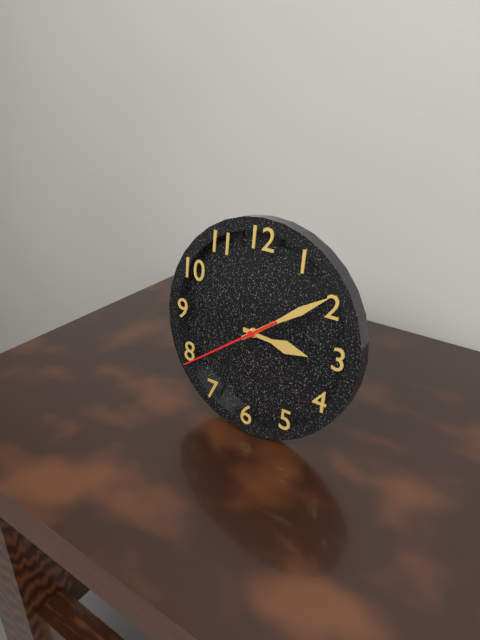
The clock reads 3.09.39
